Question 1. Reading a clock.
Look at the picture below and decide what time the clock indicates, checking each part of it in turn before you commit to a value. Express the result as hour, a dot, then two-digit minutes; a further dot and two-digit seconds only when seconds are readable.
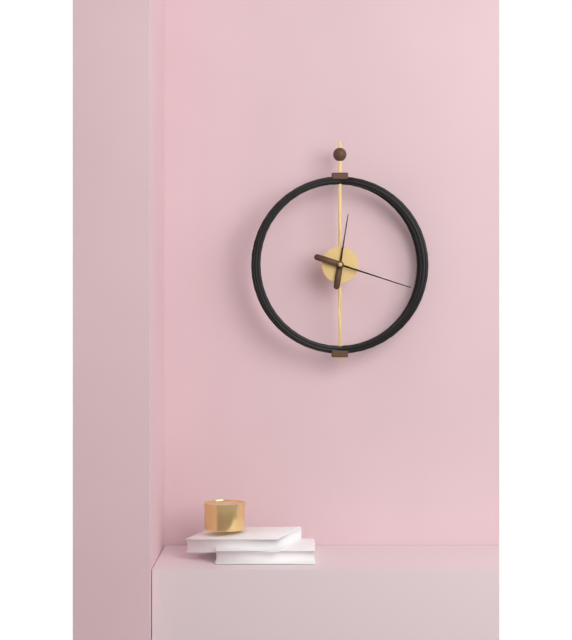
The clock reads 12.18
